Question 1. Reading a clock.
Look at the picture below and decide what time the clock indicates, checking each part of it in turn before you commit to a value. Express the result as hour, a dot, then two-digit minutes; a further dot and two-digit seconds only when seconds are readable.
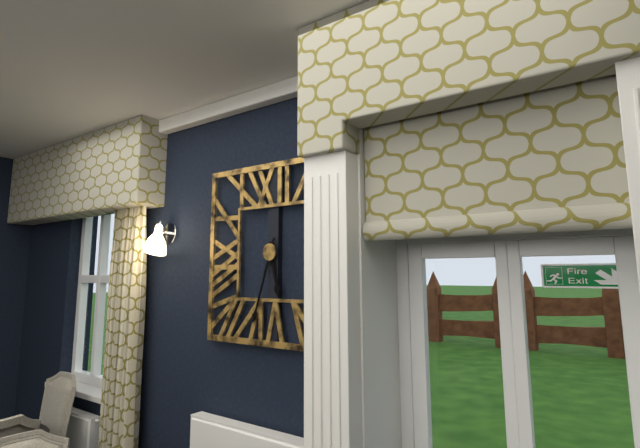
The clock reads 5.33
